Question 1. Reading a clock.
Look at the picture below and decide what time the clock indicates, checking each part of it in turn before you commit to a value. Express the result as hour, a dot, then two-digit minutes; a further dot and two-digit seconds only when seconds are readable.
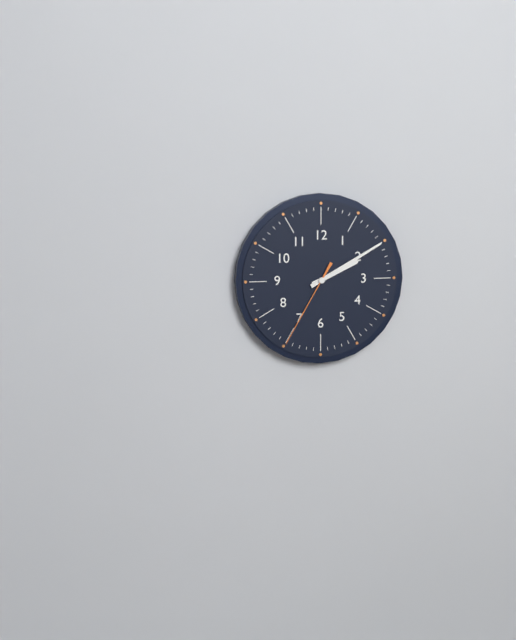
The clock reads 2.10.35
